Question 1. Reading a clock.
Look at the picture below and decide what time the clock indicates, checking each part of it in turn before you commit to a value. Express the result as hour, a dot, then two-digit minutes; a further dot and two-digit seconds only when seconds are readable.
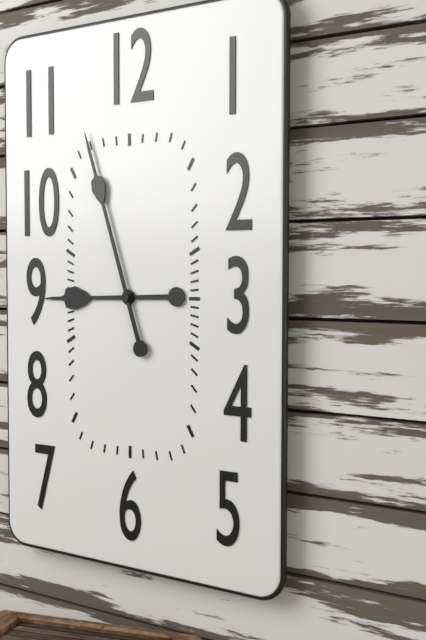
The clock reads 8.57
